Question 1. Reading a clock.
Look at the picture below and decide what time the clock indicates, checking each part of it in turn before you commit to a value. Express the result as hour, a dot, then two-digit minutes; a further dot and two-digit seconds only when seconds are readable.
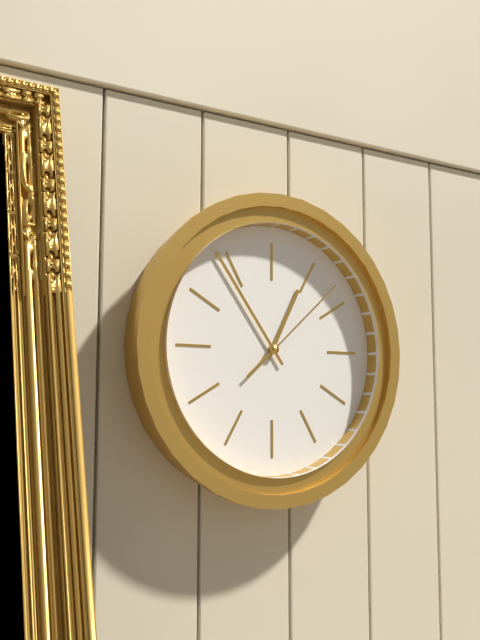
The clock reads 12.54.08
